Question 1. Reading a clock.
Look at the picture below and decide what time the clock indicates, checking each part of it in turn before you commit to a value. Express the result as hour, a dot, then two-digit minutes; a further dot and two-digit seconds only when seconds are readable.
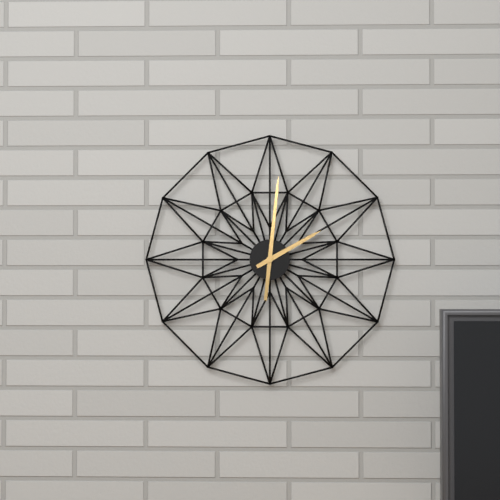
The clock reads 2.01
